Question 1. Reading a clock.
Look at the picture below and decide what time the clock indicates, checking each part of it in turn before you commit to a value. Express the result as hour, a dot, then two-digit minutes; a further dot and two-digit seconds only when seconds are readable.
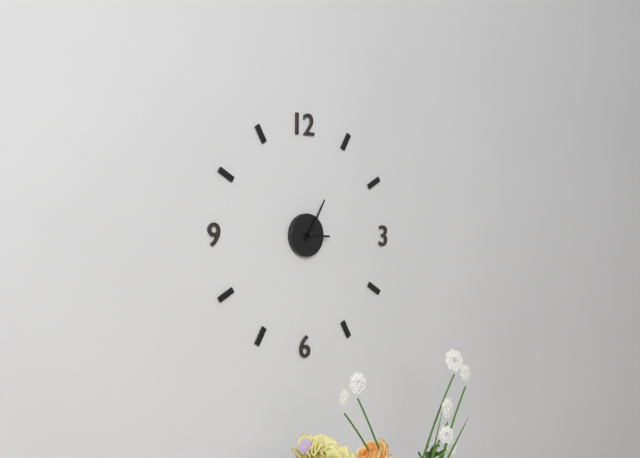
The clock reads 3.05
